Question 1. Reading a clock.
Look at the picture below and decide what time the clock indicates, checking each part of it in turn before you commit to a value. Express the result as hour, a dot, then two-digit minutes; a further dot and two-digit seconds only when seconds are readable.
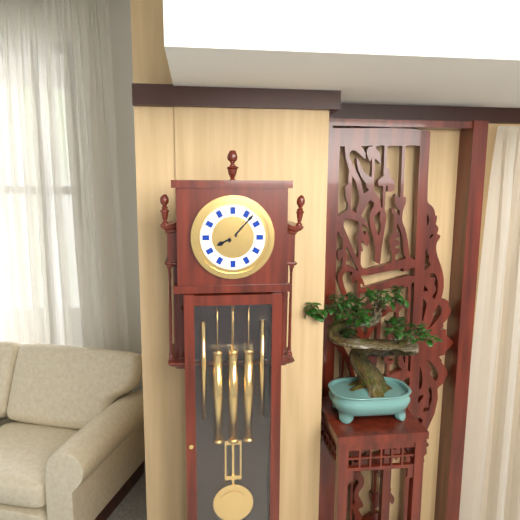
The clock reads 8.07
